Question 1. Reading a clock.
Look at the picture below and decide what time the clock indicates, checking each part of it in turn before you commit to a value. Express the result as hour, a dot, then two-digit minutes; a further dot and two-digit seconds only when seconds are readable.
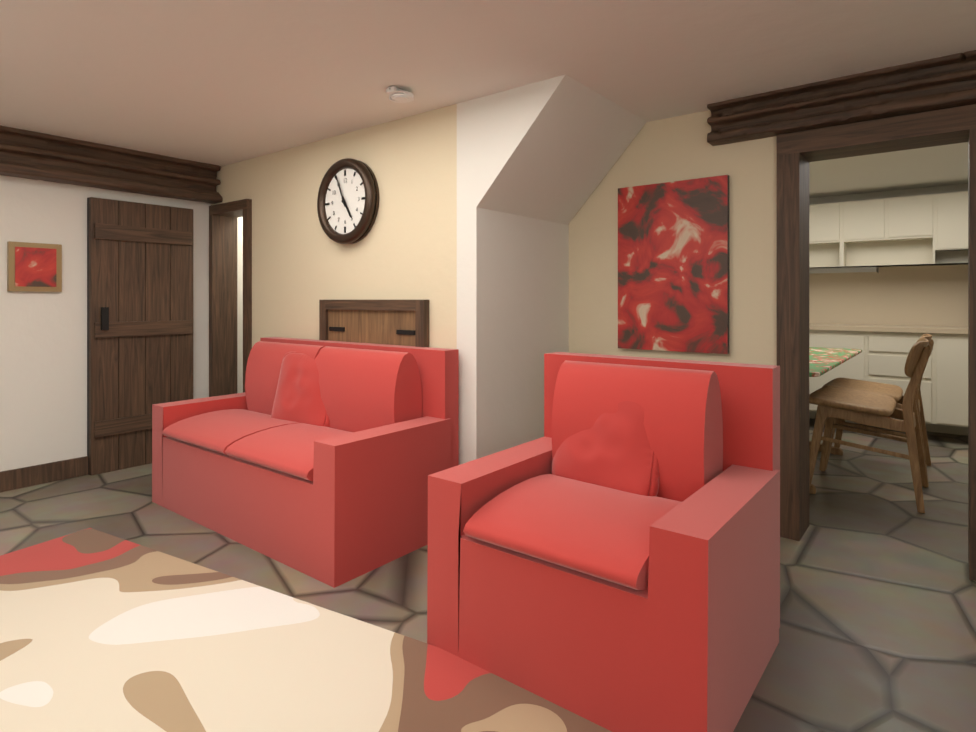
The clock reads 4.56
